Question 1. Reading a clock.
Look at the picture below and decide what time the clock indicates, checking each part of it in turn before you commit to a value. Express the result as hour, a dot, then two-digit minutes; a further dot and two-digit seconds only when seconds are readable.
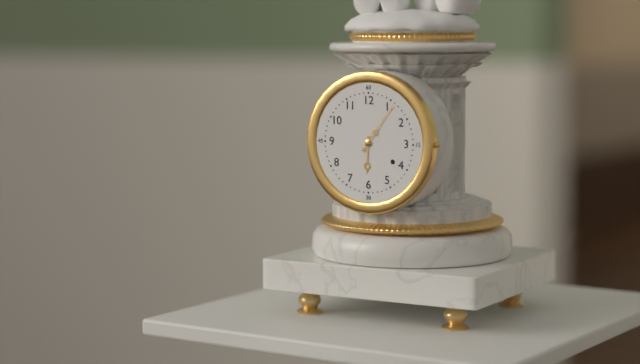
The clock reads 6.06
